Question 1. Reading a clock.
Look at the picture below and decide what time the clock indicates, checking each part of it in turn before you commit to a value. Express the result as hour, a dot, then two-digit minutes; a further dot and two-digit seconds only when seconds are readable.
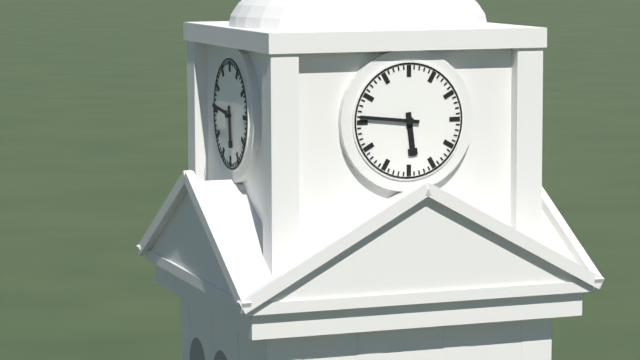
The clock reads 5.46
